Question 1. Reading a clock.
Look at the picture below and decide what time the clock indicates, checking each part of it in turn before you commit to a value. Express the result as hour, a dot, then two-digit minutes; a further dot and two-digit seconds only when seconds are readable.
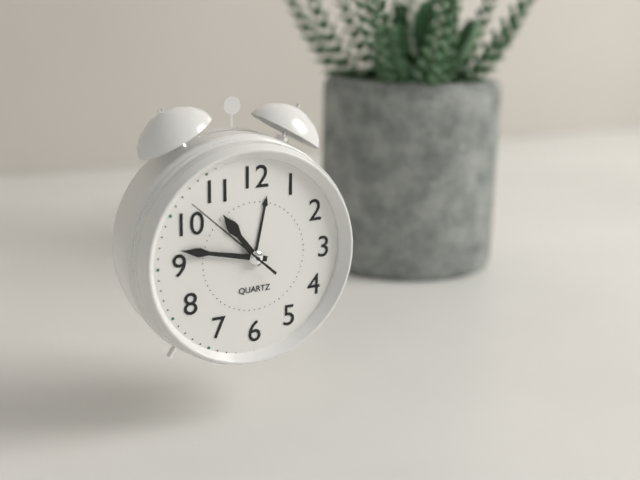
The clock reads 10.47.52
